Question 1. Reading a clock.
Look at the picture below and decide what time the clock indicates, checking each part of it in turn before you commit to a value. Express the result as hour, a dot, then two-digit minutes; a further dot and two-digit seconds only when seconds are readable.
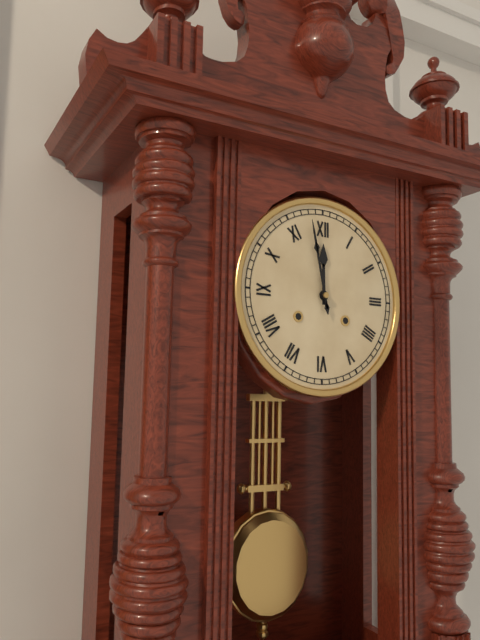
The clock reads 11.58
